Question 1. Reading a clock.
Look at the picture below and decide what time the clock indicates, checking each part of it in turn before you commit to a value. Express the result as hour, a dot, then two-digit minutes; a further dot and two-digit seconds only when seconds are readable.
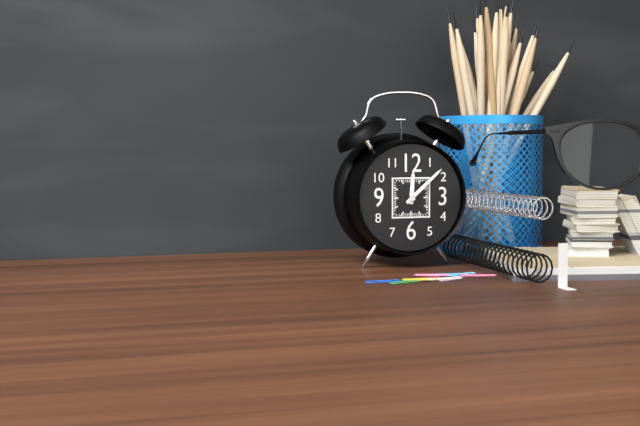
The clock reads 12.08
